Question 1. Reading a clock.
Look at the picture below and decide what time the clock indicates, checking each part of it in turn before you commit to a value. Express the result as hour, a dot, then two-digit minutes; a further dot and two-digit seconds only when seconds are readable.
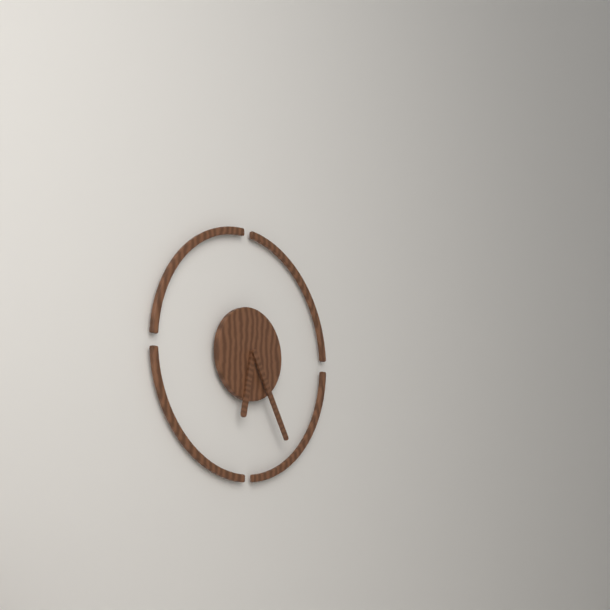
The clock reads 6.25
